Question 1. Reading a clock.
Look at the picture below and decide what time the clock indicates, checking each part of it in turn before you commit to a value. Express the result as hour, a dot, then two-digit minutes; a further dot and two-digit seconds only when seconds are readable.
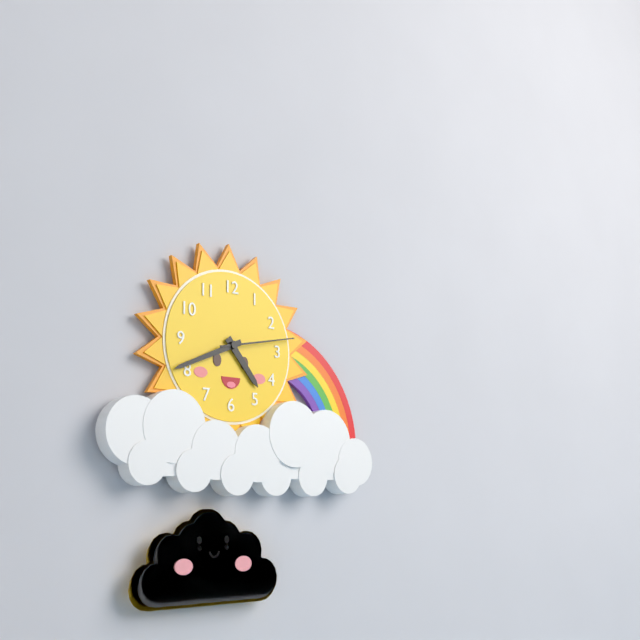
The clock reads 4.41.13
